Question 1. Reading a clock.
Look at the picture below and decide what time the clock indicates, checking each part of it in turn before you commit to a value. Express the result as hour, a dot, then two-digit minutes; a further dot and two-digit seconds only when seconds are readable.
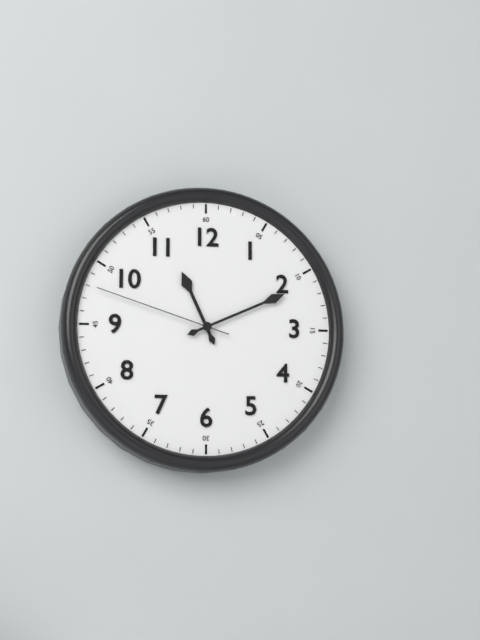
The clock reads 11.11.48
